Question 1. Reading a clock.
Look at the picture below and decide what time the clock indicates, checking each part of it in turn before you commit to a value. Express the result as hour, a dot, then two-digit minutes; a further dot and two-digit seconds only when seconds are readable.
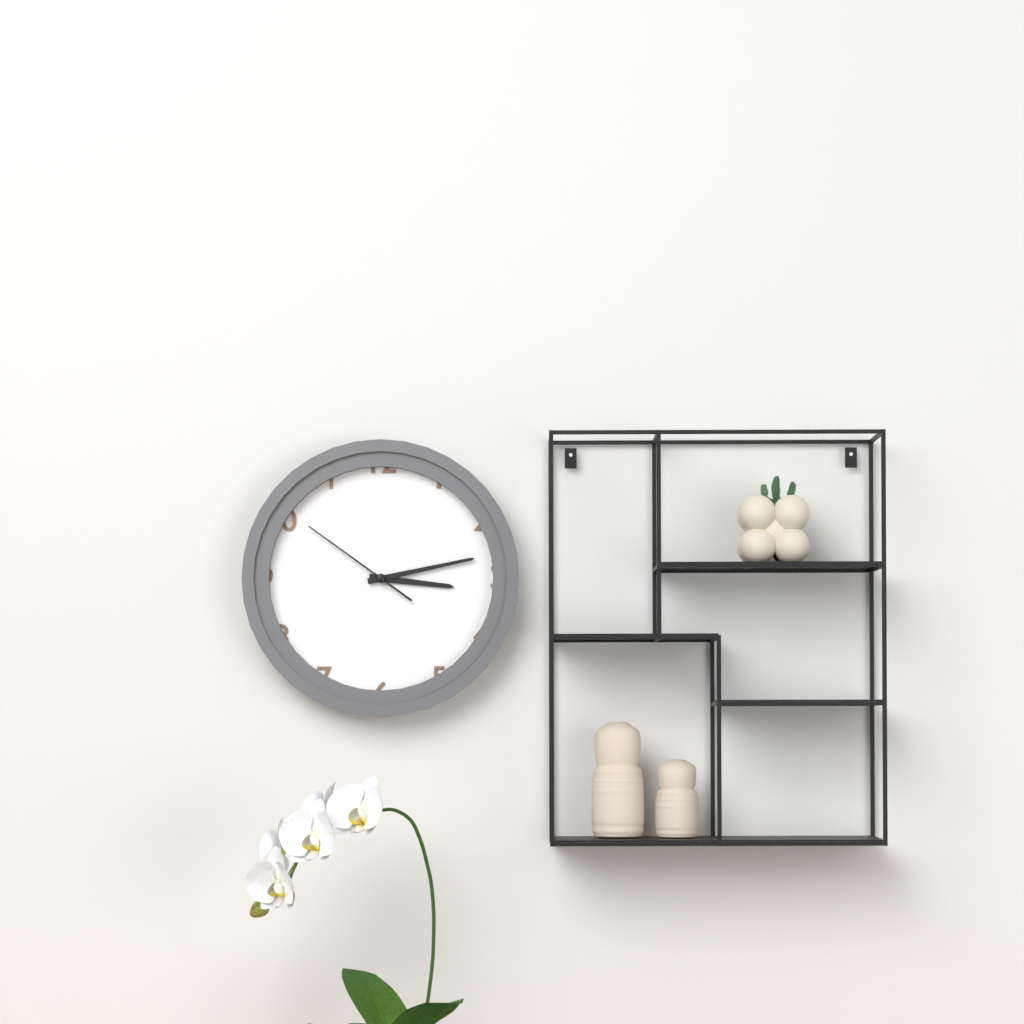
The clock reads 3.13.51
